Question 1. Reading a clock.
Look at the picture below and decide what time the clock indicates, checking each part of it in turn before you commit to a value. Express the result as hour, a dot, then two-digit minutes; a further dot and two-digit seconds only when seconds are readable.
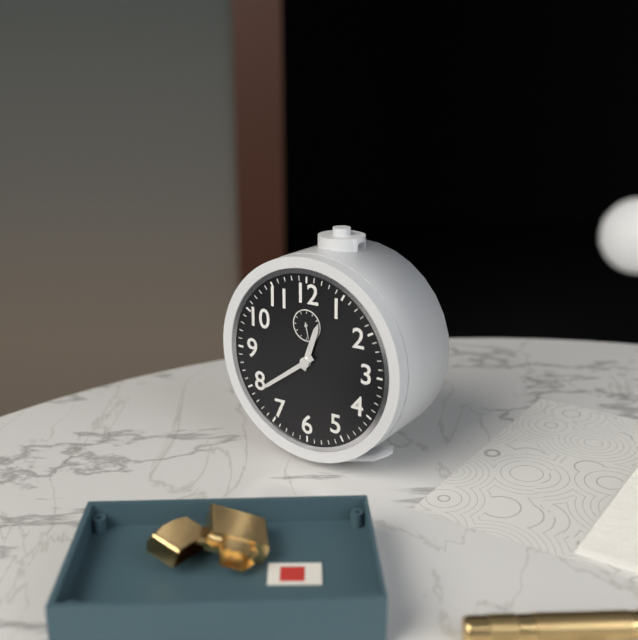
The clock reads 12.39
